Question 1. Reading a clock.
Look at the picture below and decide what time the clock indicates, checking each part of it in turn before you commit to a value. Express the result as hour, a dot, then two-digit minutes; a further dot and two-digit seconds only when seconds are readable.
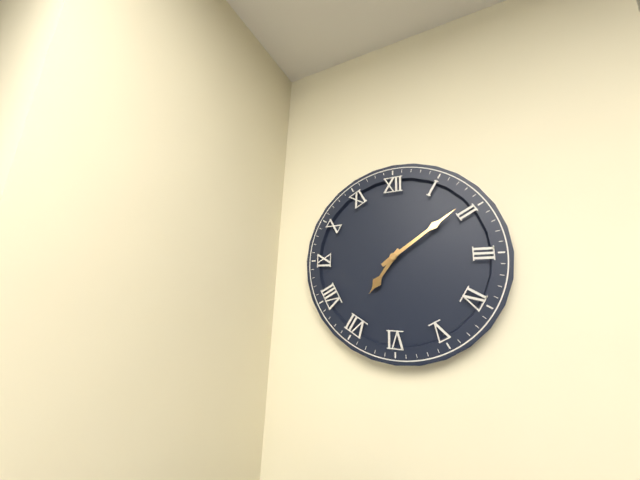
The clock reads 7.09
